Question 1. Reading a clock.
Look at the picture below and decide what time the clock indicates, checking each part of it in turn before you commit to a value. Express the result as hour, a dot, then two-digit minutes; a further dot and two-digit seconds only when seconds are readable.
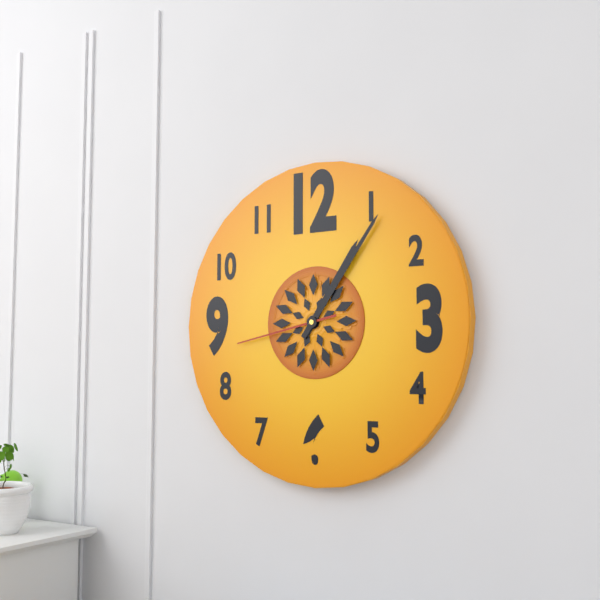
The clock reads 1.06.43
